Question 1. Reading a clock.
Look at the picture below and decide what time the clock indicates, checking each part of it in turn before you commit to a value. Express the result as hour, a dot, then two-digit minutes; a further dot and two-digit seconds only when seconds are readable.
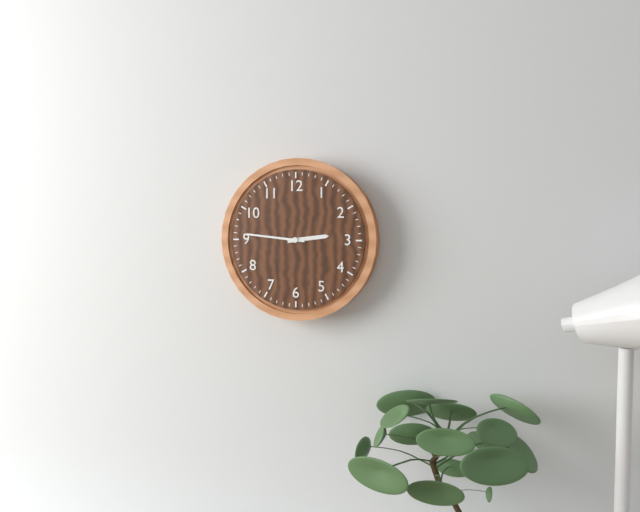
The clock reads 2.46
